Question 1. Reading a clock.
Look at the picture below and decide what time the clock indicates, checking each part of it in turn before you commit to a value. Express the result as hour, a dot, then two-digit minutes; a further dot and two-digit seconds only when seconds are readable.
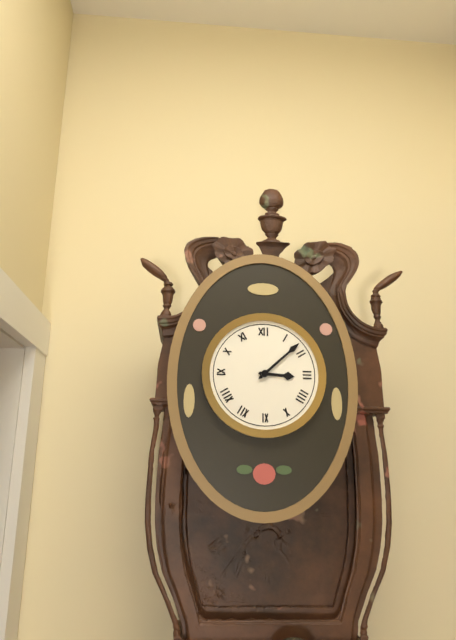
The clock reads 3.08
